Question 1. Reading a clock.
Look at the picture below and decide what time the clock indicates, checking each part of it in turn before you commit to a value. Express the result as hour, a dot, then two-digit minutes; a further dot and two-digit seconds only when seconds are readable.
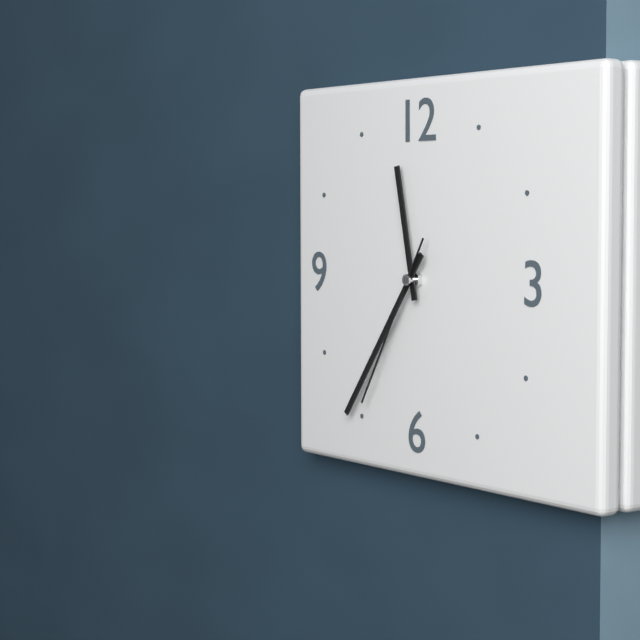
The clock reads 11.36.35
